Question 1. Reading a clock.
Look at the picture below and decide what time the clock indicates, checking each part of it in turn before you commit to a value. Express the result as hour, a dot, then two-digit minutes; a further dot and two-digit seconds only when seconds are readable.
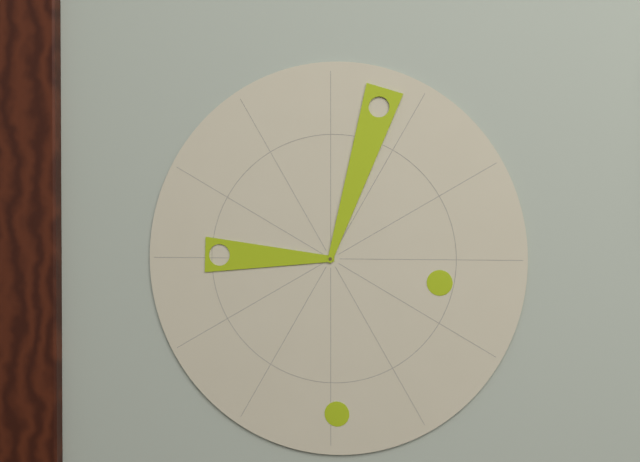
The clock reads 9.03
